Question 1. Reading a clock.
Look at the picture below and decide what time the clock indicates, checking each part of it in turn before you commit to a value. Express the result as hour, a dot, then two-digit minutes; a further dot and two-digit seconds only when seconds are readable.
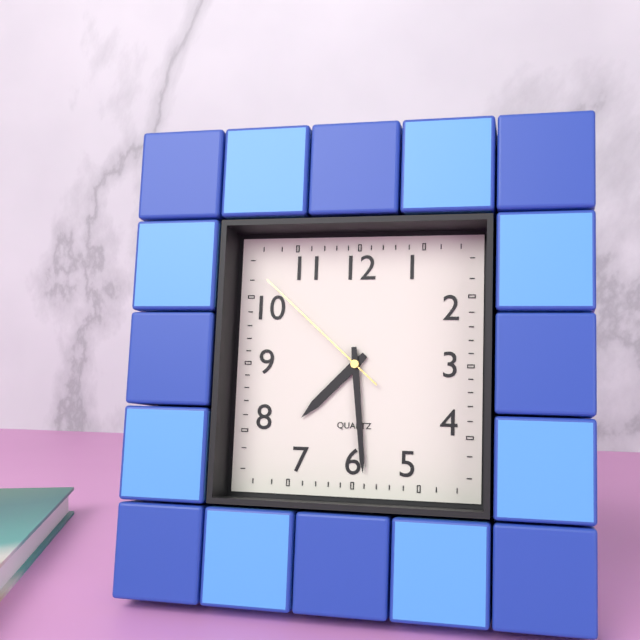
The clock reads 7.29.52
